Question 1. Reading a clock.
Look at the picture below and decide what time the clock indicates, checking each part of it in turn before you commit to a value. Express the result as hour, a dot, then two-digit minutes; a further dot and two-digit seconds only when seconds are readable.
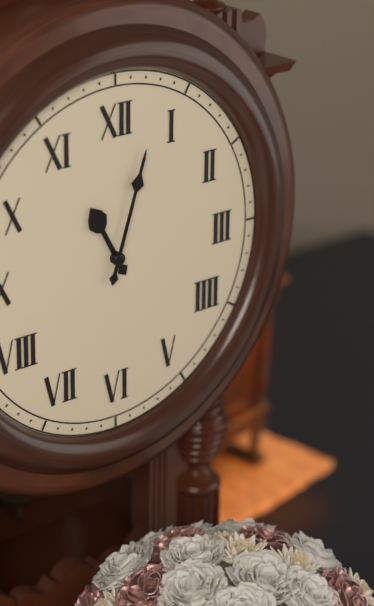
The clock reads 11.03
